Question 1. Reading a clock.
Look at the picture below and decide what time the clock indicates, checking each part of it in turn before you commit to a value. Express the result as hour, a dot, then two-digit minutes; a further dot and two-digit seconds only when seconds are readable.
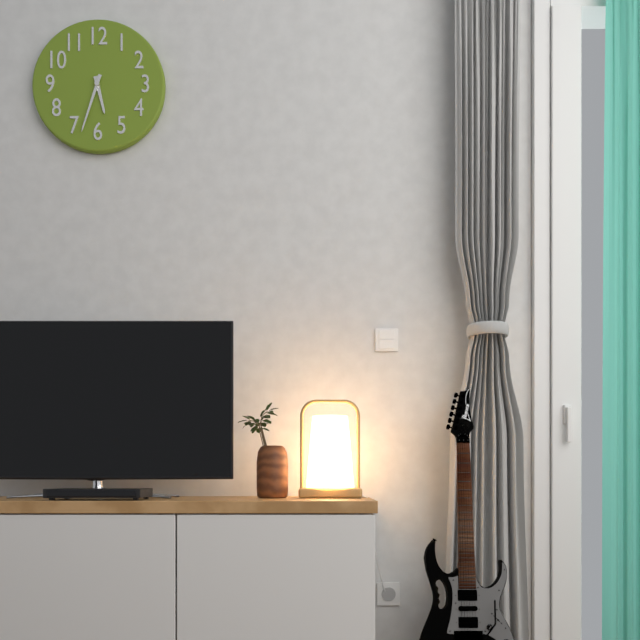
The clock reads 5.33
